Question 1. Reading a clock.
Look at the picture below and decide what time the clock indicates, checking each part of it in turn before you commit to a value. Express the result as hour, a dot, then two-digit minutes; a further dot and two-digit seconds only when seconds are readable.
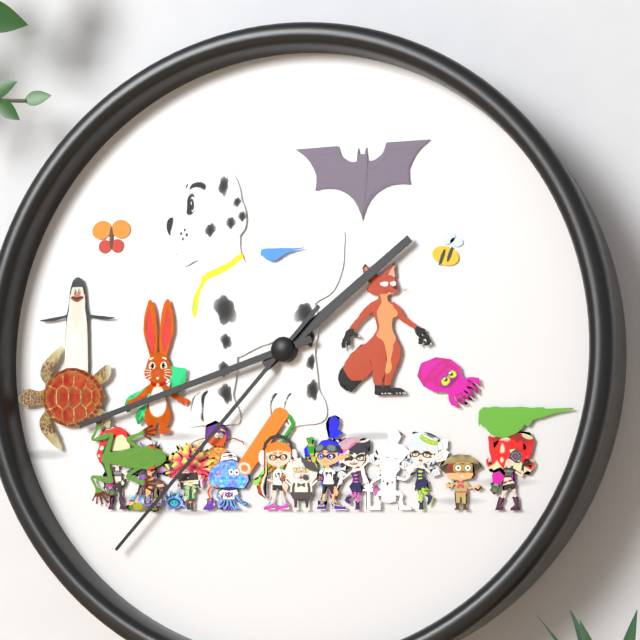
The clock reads 1.42.37
